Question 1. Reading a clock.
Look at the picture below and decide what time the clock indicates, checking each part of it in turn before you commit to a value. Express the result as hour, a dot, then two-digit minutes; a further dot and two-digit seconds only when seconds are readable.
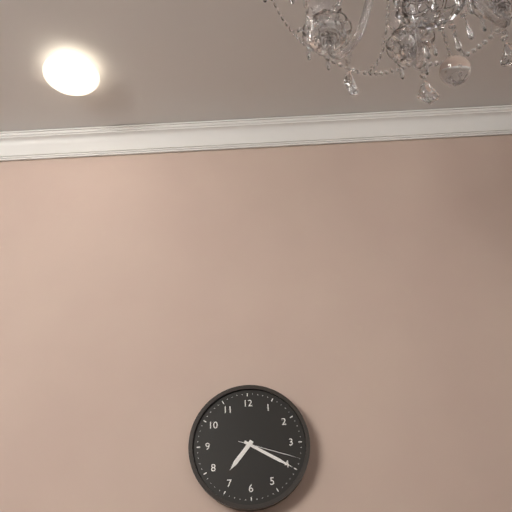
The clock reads 7.20.18
